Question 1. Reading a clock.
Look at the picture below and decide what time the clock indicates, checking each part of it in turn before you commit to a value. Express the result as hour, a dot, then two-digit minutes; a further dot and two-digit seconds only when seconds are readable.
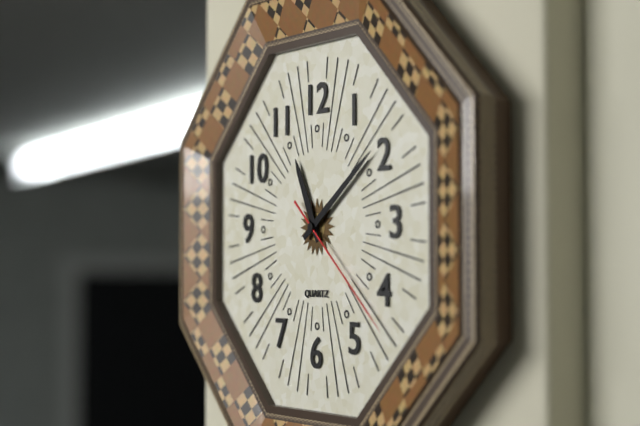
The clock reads 11.09.22
